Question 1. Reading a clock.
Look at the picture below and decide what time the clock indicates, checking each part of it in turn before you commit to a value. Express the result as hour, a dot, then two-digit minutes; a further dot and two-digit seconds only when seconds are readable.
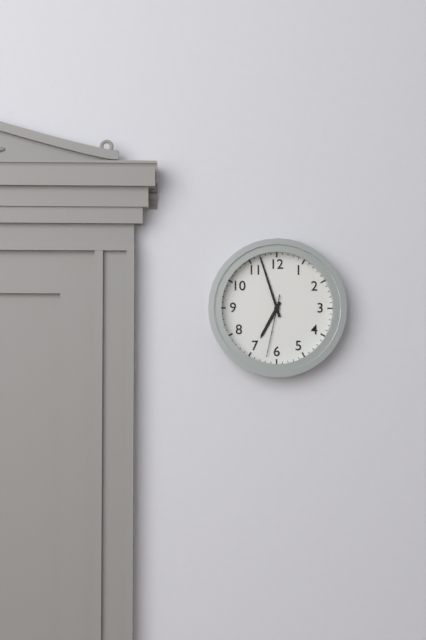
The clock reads 6.57.32
